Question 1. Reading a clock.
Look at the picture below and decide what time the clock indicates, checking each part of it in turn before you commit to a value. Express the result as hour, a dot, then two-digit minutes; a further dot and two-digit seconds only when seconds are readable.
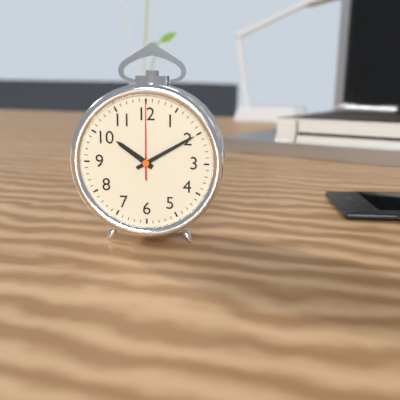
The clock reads 10.10.00
